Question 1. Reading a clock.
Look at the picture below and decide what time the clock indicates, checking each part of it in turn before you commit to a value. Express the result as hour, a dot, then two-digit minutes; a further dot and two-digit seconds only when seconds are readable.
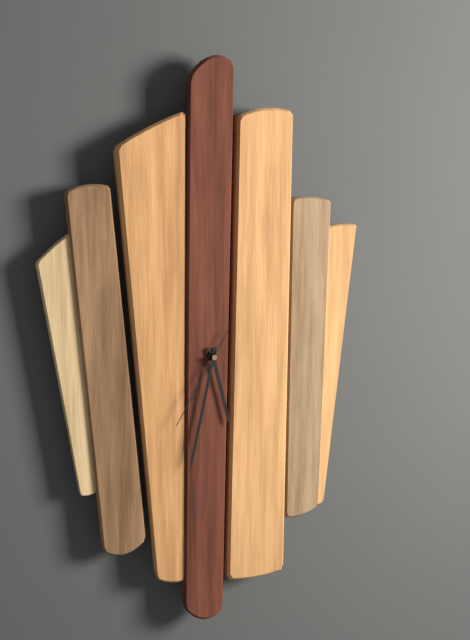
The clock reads 5.32.35
